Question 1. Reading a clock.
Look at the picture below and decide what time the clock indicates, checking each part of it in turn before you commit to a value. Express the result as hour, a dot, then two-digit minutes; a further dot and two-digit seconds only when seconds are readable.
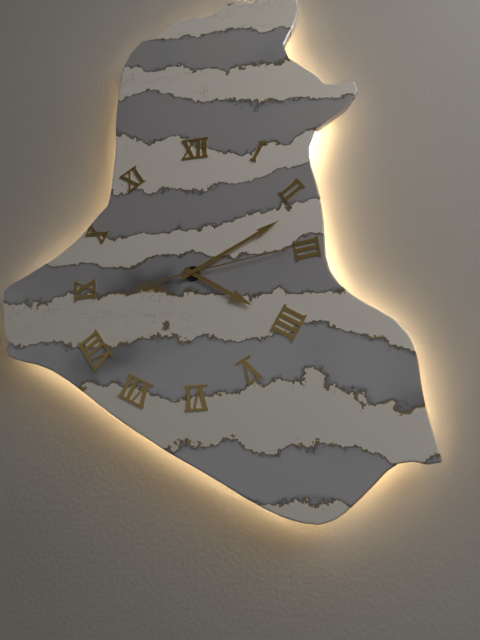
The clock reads 4.11.14
